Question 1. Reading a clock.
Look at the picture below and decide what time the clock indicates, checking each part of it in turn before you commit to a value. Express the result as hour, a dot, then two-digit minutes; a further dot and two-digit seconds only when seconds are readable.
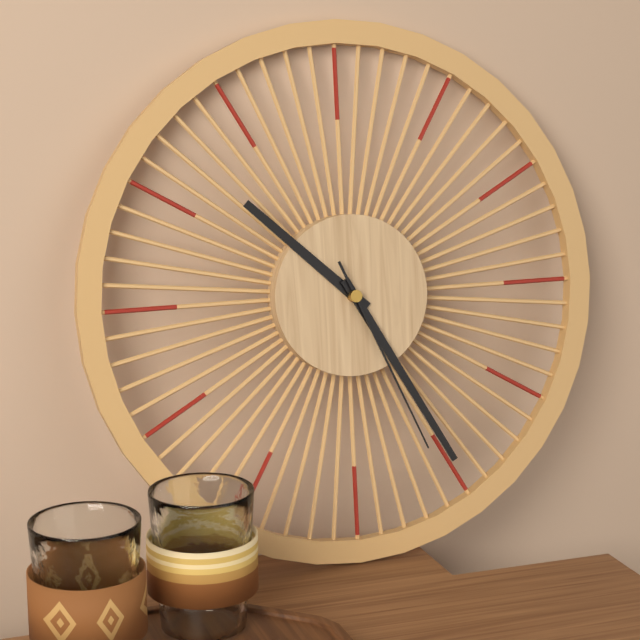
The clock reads 10.25.26
